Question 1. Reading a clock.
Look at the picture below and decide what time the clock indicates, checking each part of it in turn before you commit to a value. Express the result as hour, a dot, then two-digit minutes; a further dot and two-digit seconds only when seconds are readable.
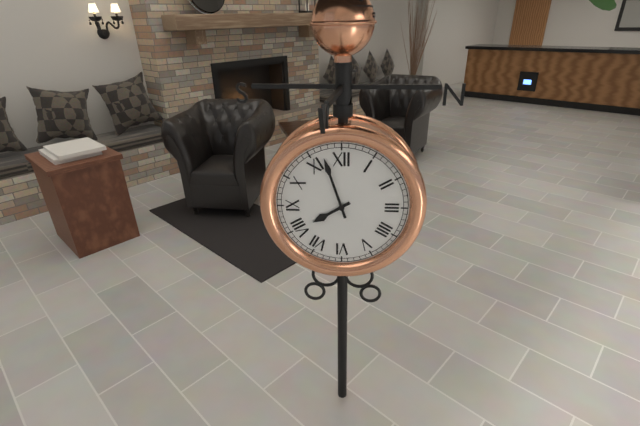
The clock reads 7.57
